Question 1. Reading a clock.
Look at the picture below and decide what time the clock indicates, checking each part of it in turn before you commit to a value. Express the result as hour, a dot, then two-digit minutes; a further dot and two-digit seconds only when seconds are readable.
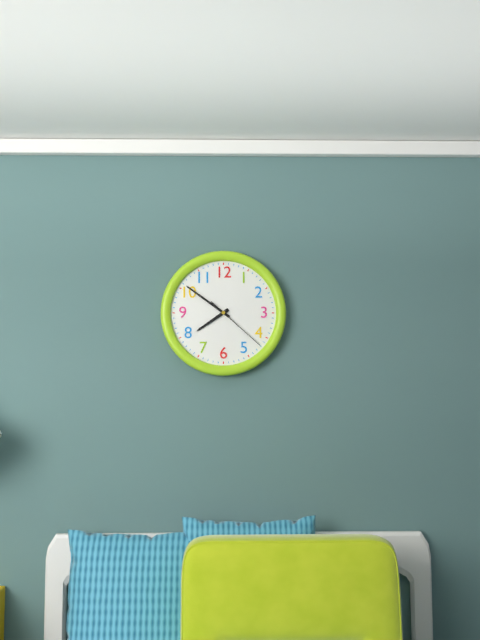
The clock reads 7.51.22
